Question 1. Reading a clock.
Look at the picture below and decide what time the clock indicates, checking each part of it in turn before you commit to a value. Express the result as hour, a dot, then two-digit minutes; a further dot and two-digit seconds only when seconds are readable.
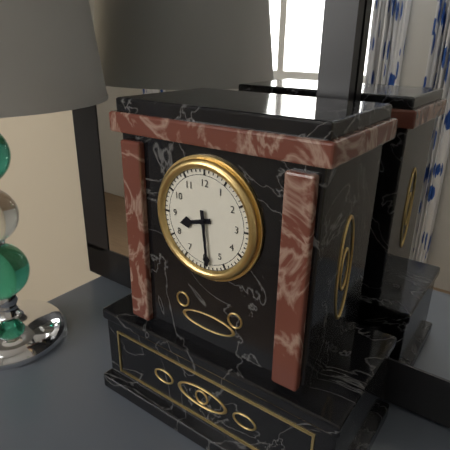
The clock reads 8.29
